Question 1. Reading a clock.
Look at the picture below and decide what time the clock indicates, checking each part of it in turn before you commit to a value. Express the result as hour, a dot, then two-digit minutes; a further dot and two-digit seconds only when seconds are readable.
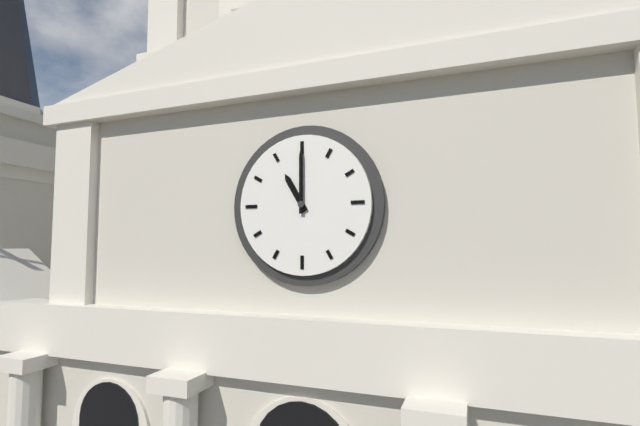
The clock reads 11.00
